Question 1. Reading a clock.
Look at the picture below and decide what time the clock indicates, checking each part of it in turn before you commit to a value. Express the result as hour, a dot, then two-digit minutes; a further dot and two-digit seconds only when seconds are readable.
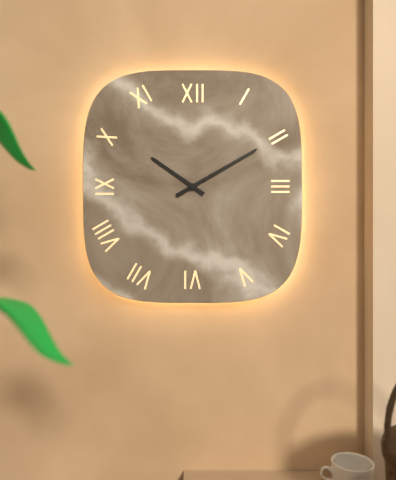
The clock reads 10.10
